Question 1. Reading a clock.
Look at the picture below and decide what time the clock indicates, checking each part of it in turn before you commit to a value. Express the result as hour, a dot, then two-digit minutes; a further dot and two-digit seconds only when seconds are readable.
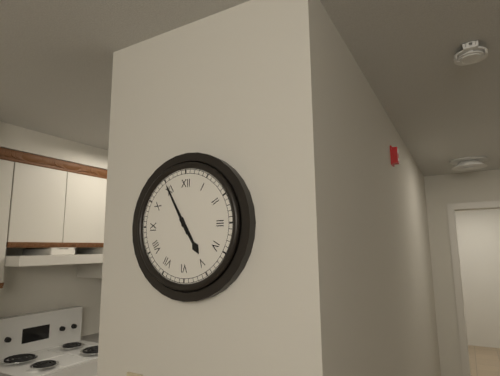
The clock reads 4.55
